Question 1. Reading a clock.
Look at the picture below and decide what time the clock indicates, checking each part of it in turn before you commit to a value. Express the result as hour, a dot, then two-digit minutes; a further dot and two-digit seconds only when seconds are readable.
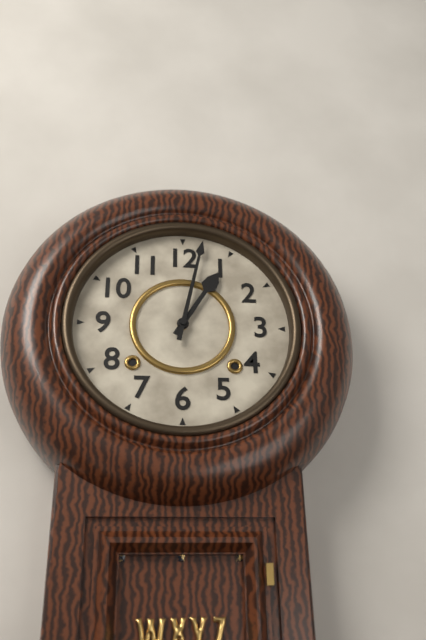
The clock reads 1.02
